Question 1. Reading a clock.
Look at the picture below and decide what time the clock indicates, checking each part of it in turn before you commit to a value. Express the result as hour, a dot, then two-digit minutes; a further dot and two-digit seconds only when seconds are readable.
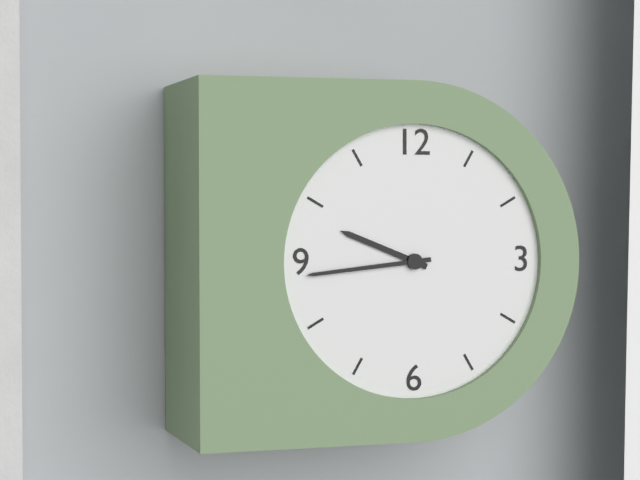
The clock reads 9.44
